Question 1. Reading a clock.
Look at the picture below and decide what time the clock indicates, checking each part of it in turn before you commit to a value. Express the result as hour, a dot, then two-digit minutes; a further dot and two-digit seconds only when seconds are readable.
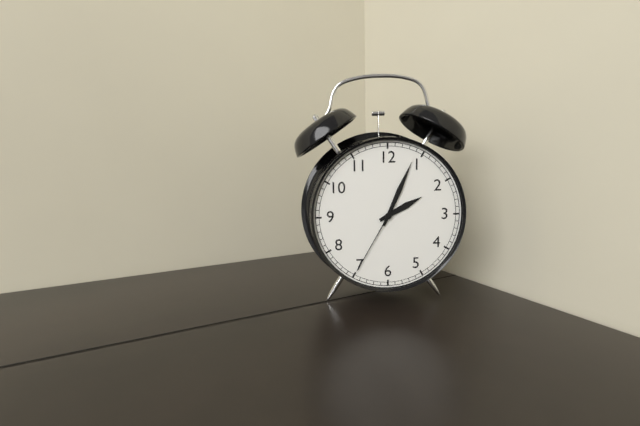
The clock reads 2.04.35
